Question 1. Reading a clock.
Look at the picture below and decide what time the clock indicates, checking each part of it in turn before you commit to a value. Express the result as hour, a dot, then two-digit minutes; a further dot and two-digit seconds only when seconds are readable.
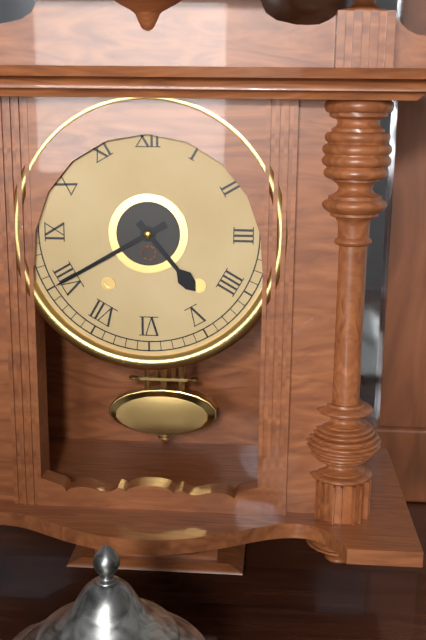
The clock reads 4.40
